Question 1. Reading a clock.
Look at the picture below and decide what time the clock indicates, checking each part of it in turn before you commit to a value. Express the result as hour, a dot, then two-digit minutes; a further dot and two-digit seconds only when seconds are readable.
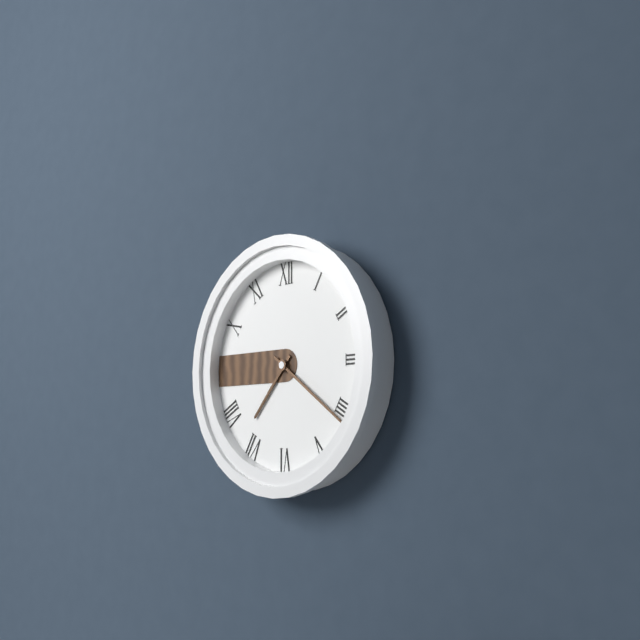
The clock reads 7.21
